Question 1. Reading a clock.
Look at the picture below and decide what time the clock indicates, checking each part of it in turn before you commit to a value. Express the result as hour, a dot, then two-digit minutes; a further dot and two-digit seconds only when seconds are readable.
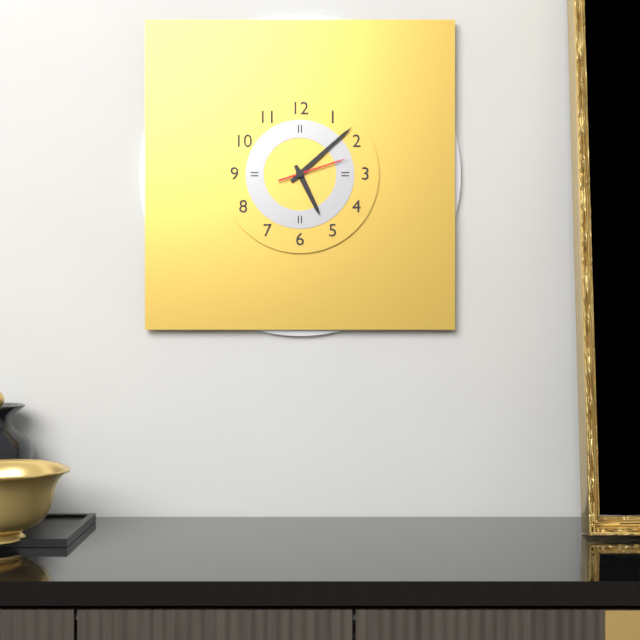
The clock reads 5.08.12
